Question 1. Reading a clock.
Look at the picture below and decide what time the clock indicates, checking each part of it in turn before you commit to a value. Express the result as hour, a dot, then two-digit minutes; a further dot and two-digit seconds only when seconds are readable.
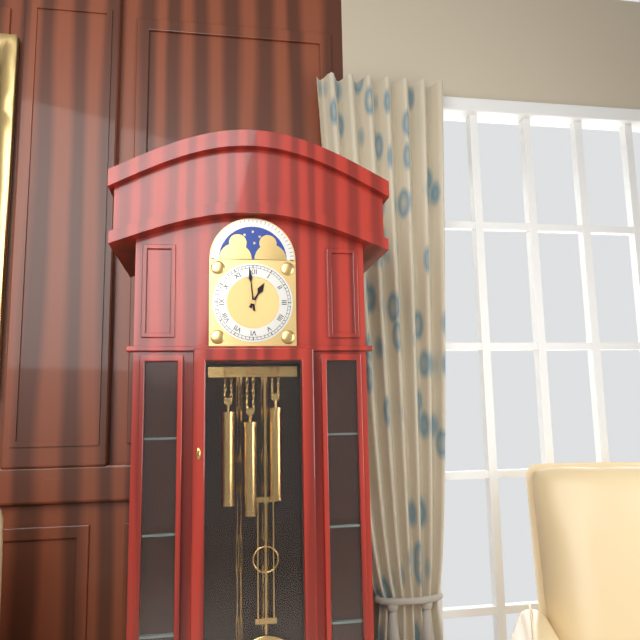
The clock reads 12.59
